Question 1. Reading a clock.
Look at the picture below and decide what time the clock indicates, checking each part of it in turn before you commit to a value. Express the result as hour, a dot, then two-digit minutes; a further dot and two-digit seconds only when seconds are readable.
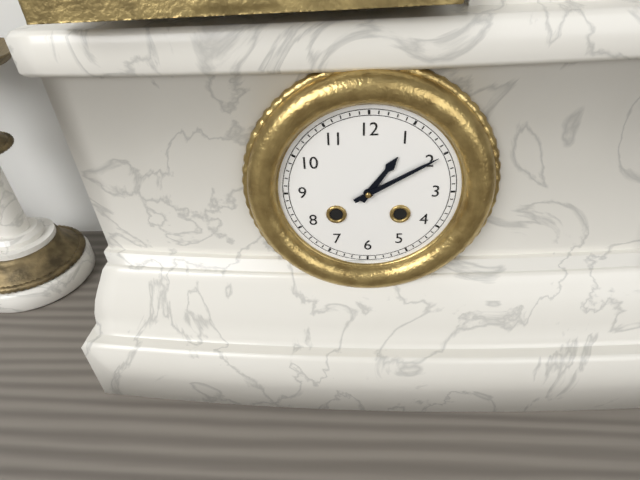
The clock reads 1.10
